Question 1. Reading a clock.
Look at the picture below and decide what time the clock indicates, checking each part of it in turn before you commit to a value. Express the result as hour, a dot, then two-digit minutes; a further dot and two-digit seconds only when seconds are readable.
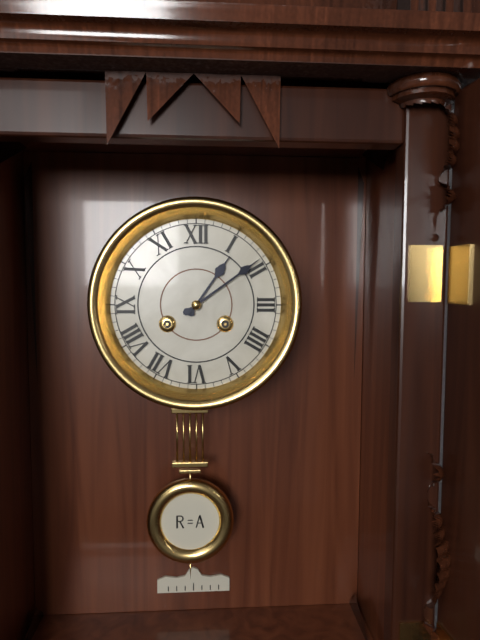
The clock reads 1.09
